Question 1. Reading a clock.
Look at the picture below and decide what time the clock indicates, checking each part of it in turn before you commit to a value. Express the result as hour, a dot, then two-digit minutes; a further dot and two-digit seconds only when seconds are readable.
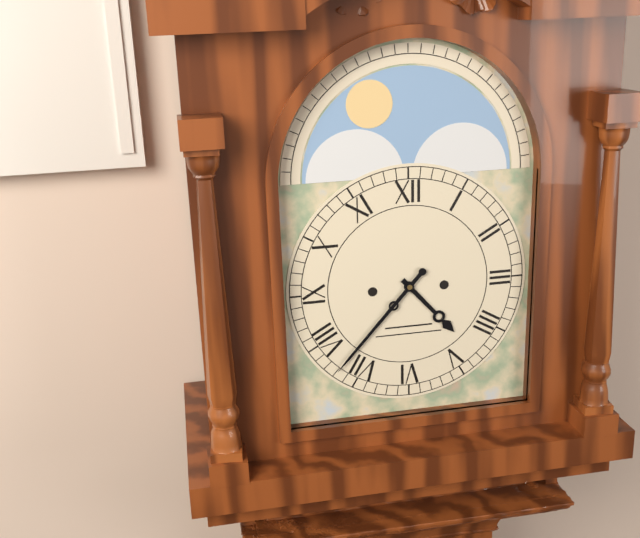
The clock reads 4.37
